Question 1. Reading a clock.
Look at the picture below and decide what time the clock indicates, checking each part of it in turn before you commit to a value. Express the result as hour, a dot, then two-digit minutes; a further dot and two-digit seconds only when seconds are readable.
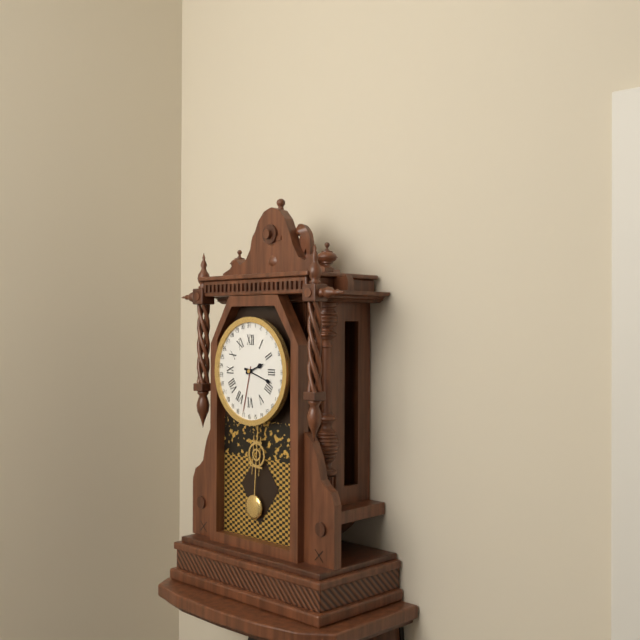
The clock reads 2.18
